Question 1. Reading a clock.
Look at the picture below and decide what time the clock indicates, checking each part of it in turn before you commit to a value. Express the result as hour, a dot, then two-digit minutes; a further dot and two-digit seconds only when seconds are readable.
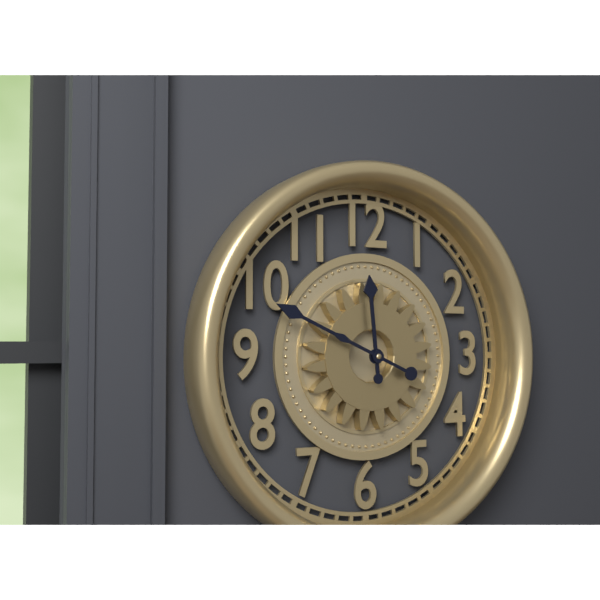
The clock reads 11.49
